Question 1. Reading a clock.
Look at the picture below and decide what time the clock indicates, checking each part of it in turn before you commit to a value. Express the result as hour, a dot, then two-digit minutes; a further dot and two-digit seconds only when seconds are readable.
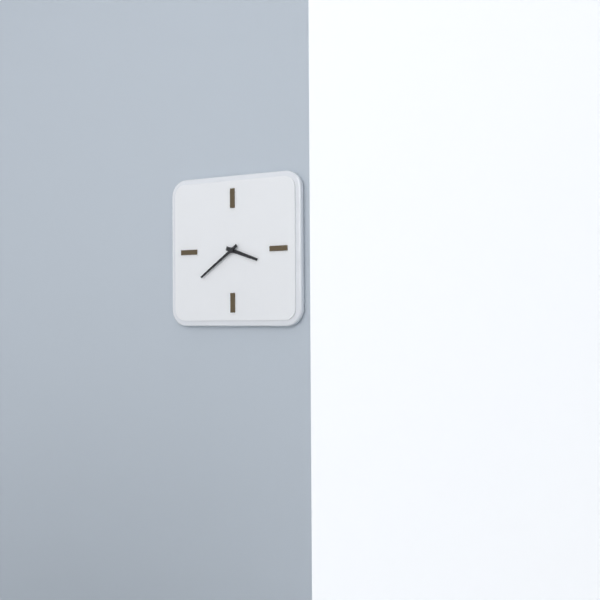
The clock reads 3.39
